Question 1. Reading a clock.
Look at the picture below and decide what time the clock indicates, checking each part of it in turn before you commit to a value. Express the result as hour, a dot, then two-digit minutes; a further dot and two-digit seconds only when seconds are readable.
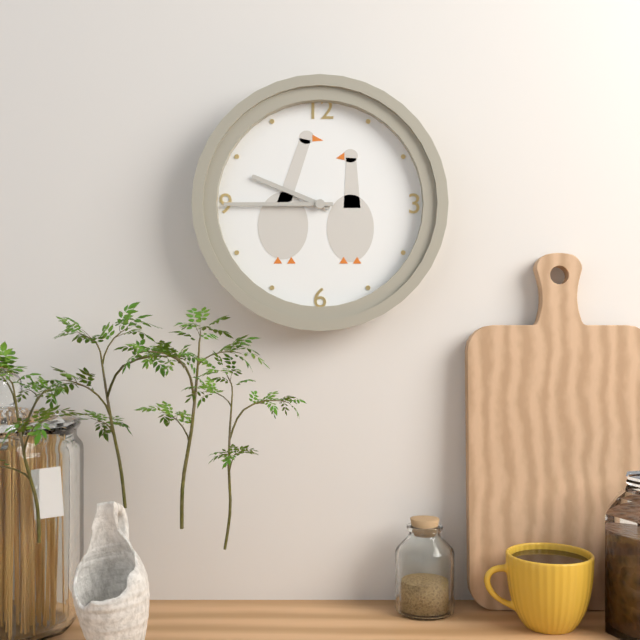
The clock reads 9.45
